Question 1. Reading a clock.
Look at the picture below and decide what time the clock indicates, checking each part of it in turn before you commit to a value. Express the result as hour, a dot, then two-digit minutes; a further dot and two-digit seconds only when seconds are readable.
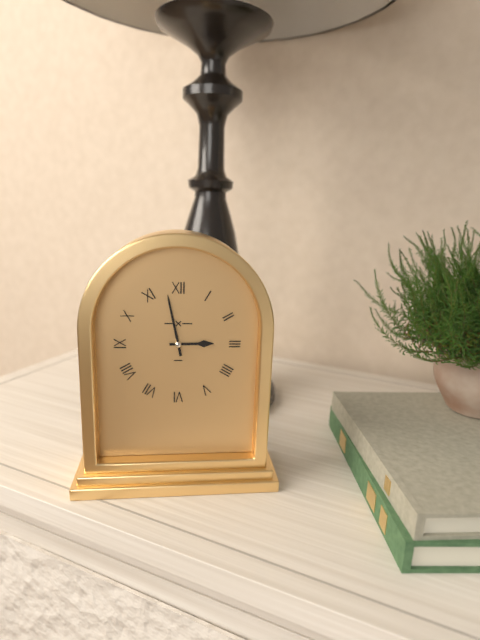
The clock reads 2.58
